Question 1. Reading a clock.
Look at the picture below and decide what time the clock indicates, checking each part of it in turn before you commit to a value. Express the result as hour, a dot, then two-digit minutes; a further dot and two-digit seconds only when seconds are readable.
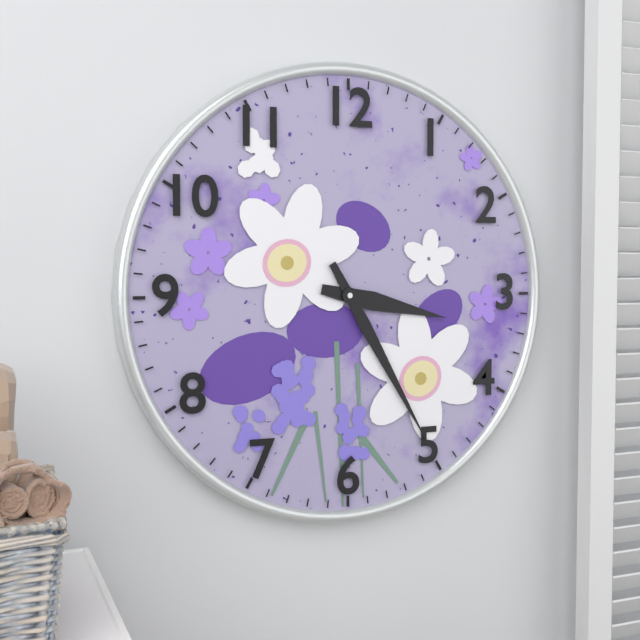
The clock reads 3.25
